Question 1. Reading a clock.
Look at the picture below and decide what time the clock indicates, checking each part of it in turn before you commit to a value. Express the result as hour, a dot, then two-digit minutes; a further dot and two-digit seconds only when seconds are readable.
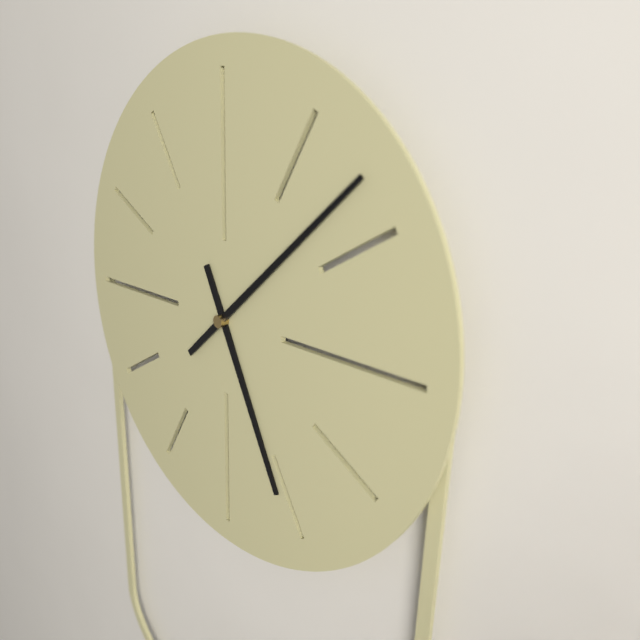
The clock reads 5.08
